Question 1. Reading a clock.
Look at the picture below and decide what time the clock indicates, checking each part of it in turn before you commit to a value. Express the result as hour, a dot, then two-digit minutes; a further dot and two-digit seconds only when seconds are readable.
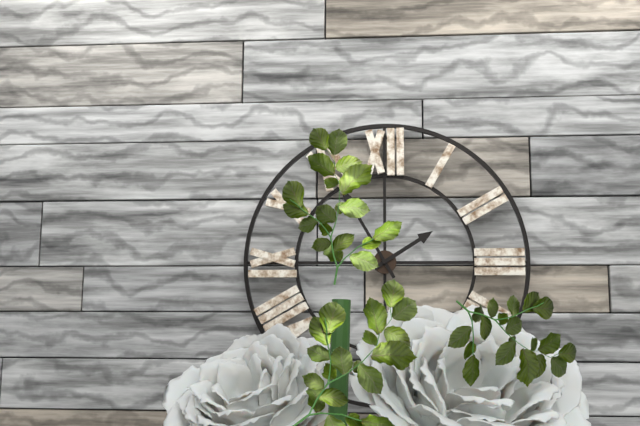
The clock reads 1.55
